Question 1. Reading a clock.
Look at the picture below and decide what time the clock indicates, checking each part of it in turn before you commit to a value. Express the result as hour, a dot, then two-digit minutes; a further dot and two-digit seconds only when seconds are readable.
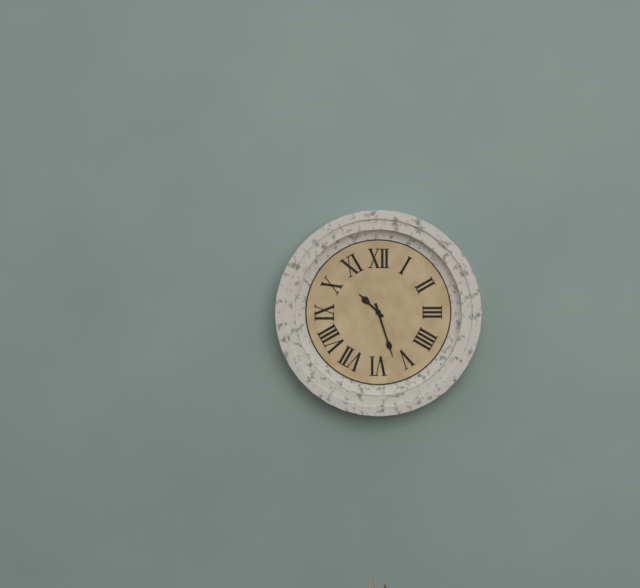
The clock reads 10.27
